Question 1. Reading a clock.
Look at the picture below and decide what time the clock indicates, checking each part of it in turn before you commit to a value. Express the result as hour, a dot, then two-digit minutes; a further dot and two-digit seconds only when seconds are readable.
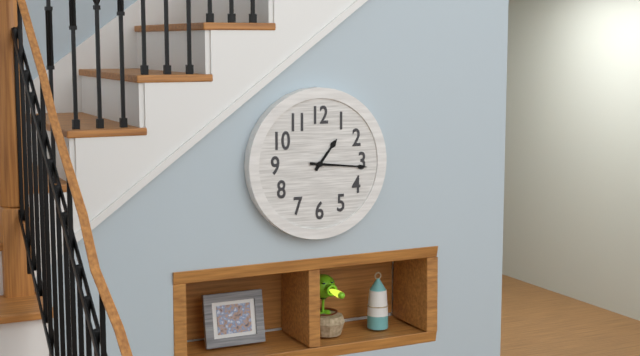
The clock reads 1.16
